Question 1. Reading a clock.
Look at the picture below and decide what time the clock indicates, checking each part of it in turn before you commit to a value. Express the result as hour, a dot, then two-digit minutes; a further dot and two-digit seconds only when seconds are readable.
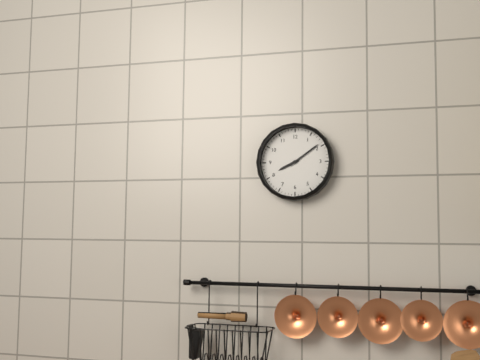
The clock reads 8.09
